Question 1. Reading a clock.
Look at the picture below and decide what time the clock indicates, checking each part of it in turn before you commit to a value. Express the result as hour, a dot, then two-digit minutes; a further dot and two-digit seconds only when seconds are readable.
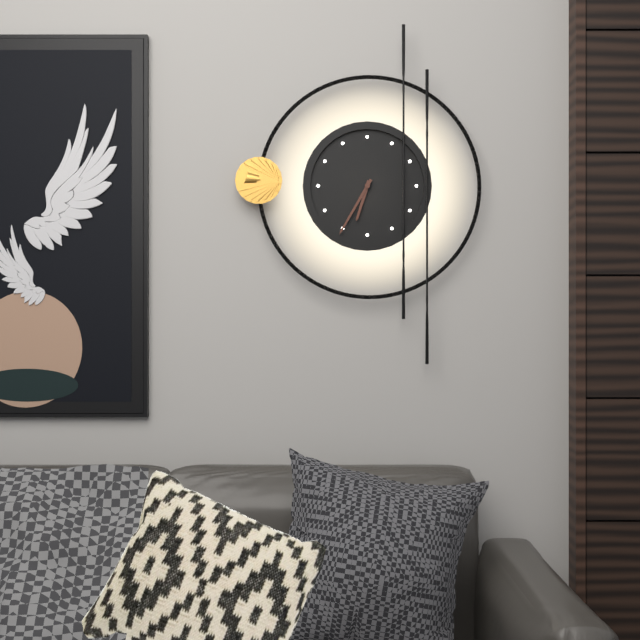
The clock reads 6.35
